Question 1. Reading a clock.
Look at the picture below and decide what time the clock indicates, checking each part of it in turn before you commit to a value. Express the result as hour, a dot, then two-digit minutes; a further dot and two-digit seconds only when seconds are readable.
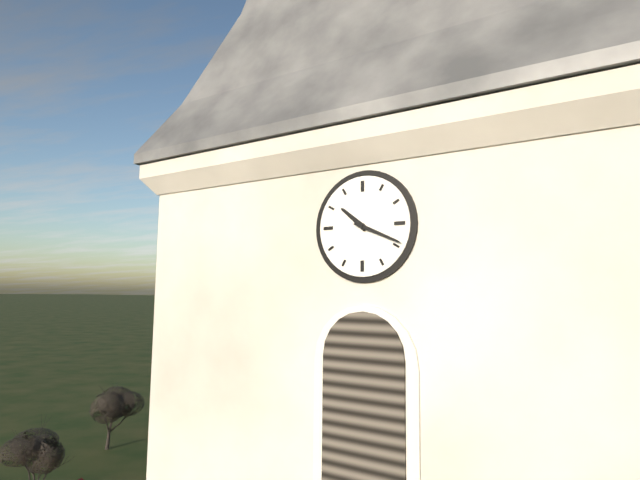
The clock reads 10.19
